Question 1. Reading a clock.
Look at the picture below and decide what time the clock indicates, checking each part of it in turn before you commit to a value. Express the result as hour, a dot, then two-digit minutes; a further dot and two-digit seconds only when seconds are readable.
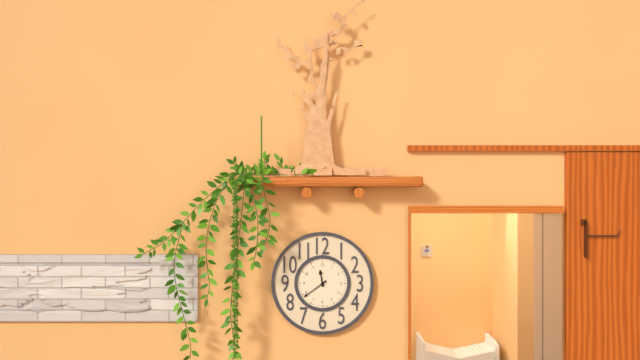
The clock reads 11.39
